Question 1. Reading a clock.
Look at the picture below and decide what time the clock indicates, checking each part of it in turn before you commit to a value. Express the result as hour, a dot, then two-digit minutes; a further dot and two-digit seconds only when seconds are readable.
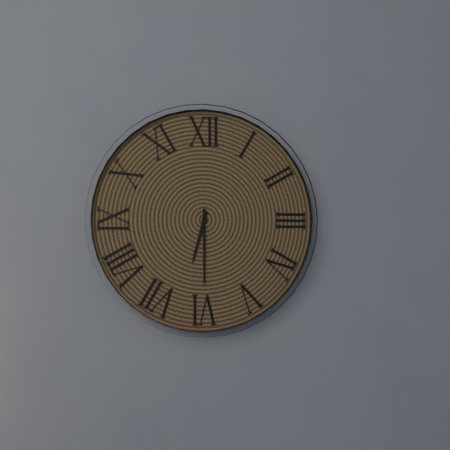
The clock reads 6.30
